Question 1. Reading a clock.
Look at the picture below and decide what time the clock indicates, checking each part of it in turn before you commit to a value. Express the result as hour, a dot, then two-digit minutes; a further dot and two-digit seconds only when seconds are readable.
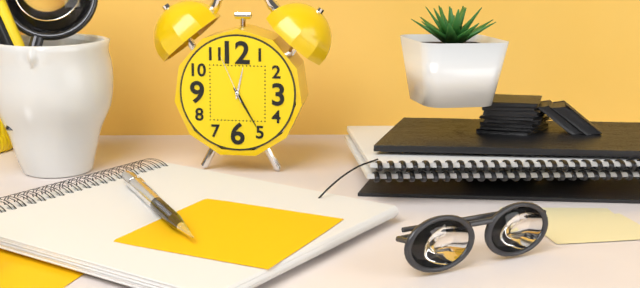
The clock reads 12.25.56
